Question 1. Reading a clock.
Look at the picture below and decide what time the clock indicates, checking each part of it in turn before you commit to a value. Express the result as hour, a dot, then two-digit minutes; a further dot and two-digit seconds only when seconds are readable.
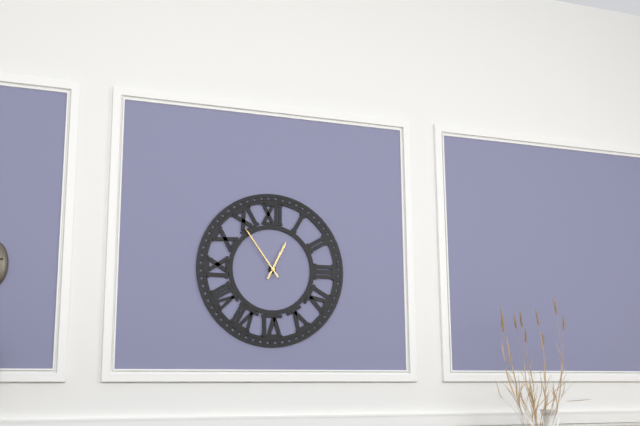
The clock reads 12.54
